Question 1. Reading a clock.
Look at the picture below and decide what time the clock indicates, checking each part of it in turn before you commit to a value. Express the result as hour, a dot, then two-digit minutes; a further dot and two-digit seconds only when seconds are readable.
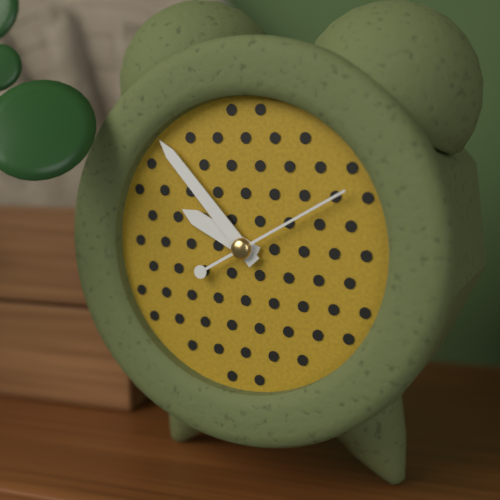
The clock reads 9.53.10
